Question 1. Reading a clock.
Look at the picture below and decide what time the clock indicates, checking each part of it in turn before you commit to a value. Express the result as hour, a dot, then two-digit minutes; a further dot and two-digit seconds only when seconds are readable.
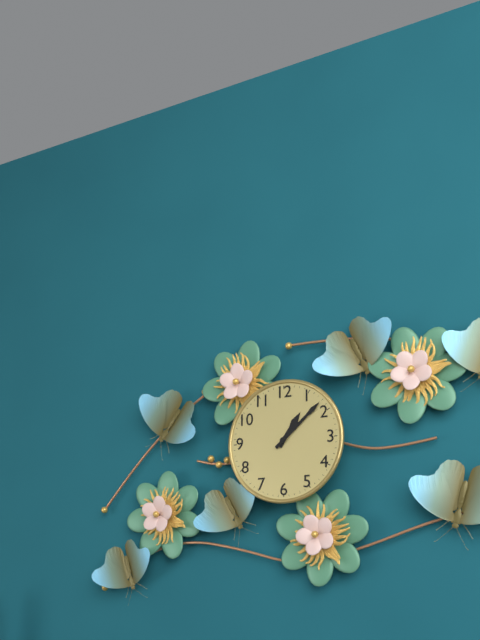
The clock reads 1.08
